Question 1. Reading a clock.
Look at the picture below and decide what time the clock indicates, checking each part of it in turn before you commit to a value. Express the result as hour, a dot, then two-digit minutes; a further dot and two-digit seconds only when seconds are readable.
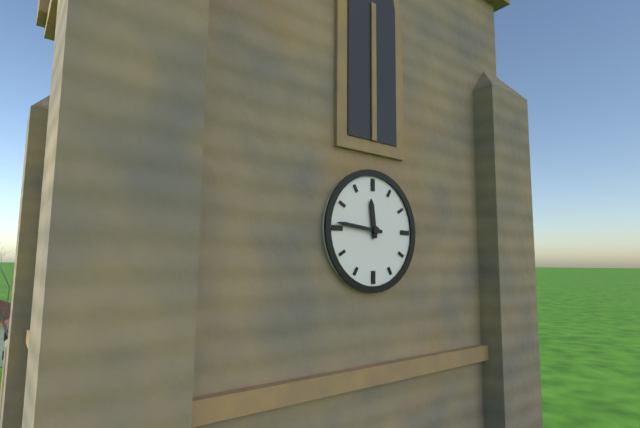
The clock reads 11.46
